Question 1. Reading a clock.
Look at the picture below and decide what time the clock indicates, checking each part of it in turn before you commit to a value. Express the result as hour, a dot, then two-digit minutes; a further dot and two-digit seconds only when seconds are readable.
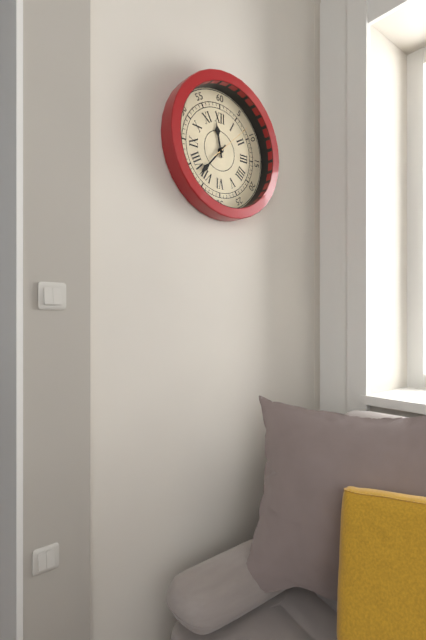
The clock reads 11.37
